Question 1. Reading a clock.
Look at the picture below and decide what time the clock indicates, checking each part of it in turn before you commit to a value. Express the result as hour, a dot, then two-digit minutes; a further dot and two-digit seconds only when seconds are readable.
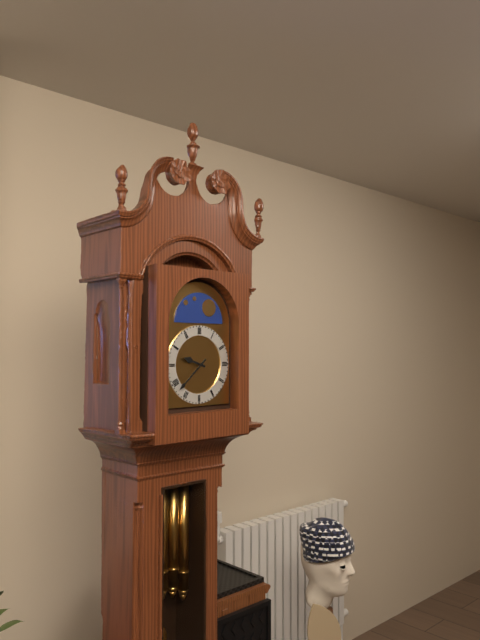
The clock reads 9.38
